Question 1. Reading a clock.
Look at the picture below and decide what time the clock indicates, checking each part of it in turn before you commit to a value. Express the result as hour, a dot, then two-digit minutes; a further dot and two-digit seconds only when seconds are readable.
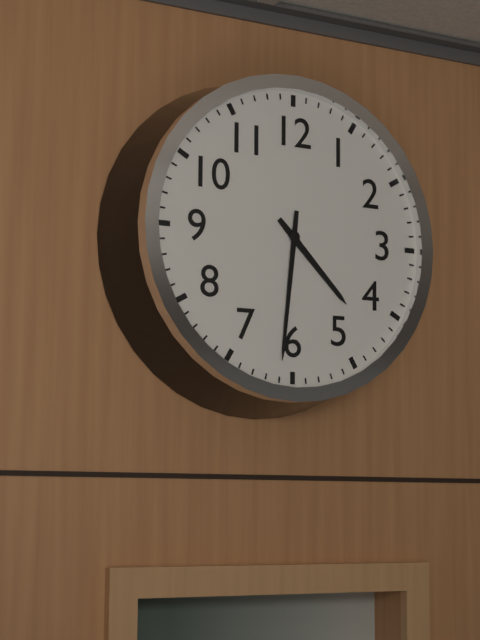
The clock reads 4.31
